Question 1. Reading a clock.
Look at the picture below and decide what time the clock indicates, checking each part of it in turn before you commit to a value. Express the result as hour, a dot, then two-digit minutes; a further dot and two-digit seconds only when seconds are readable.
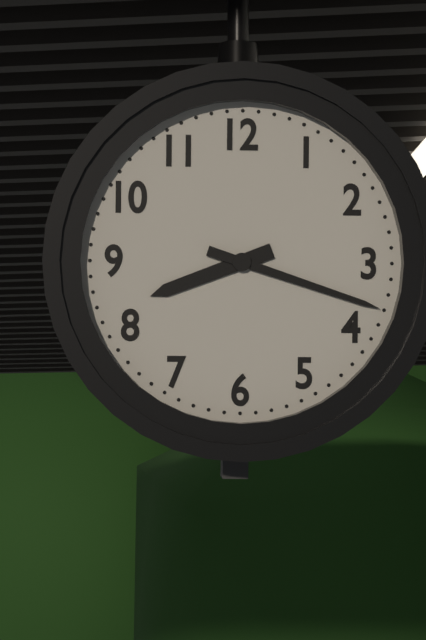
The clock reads 8.18
